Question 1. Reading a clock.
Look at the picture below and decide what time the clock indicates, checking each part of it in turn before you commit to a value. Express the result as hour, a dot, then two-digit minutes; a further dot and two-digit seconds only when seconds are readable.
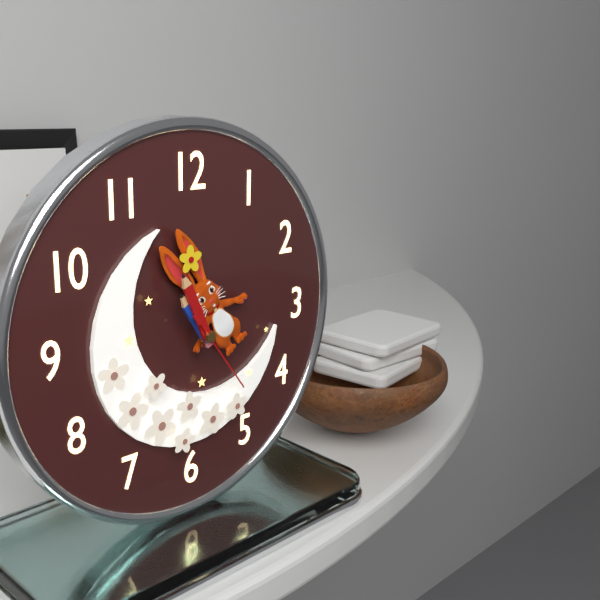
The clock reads 10.56.24
